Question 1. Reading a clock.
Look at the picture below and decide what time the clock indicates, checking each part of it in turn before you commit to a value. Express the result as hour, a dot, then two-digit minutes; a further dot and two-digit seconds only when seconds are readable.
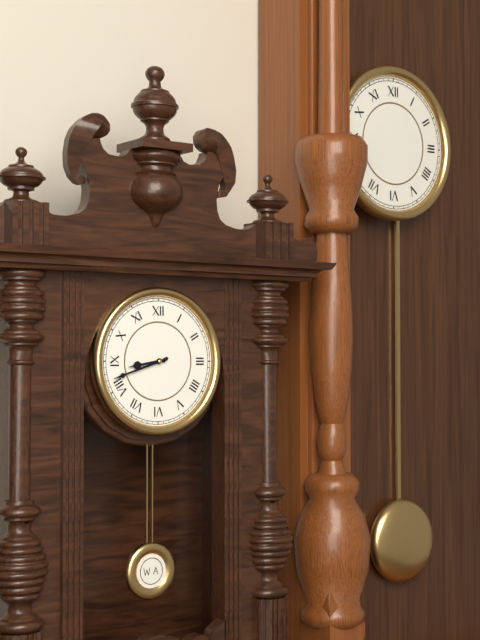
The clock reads 8.42
